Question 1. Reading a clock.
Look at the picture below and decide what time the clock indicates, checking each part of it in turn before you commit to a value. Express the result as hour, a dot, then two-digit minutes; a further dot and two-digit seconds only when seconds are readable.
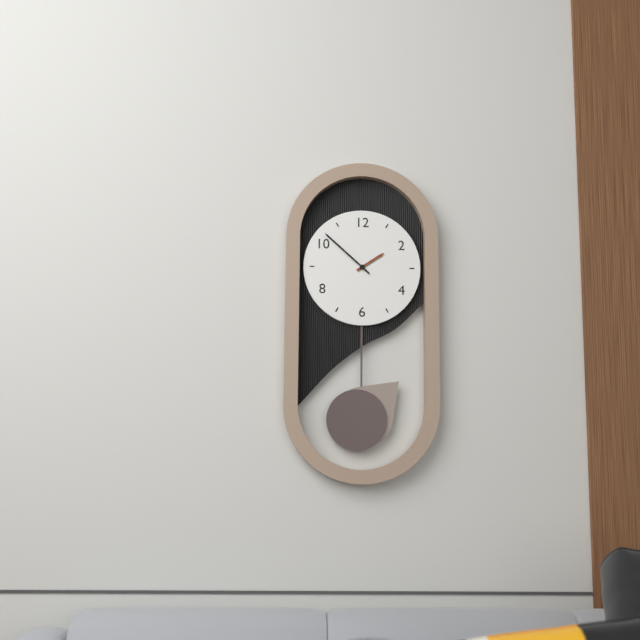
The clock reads 1.52
